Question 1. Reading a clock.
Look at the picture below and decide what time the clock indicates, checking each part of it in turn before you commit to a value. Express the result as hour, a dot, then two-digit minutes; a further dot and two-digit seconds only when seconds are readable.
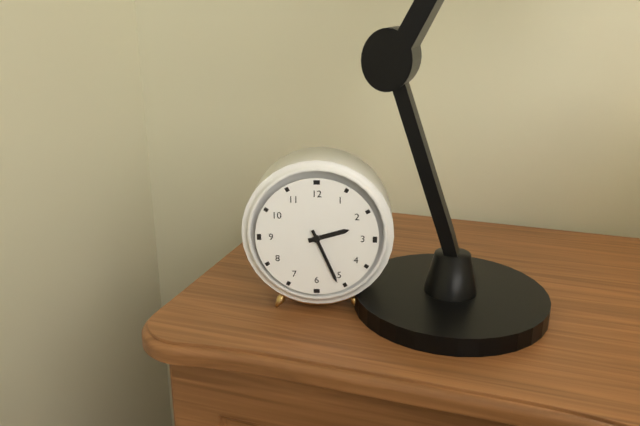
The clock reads 2.26
